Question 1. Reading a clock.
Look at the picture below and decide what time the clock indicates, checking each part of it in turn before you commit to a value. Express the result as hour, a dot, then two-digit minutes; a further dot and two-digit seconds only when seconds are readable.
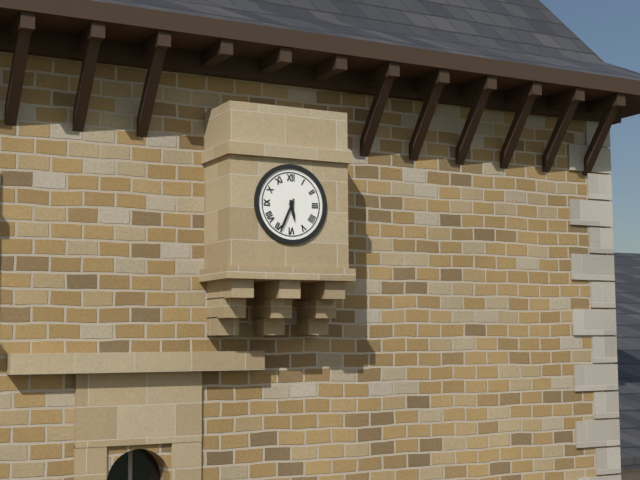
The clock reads 5.34
